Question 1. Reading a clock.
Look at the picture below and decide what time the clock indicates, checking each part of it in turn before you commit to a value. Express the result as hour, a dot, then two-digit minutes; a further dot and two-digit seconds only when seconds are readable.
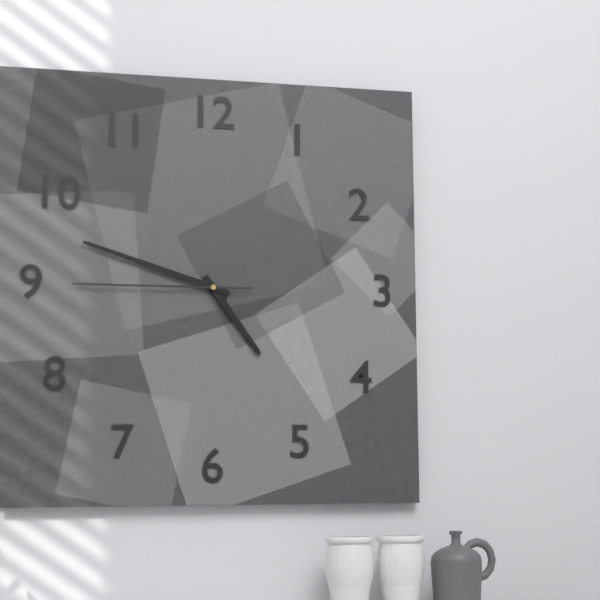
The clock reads 4.48.45
